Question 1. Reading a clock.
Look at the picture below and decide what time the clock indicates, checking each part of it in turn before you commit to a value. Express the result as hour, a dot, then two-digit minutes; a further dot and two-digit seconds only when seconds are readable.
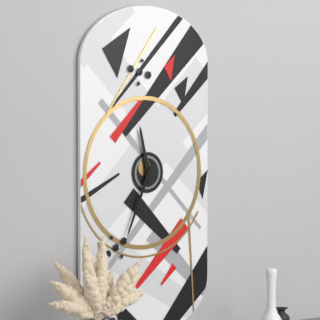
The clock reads 11.34
